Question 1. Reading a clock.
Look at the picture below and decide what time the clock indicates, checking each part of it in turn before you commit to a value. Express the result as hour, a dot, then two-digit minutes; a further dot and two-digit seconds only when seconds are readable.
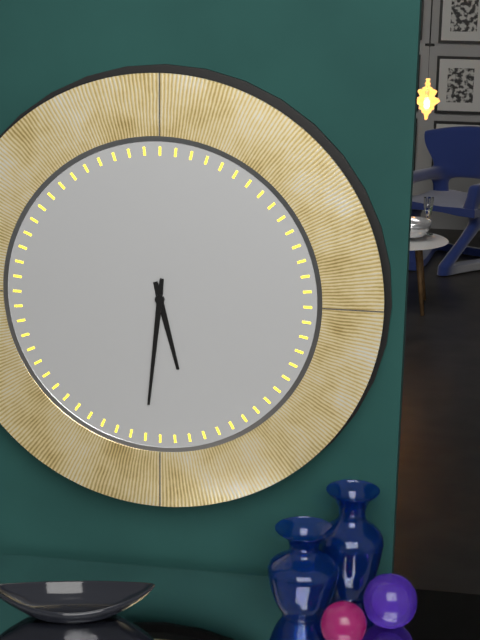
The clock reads 5.31
